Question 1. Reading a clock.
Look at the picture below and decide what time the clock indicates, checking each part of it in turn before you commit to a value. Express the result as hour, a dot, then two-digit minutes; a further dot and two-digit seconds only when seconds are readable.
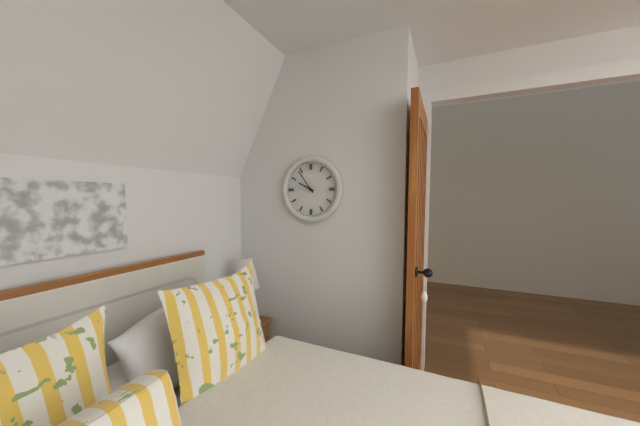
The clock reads 9.54
